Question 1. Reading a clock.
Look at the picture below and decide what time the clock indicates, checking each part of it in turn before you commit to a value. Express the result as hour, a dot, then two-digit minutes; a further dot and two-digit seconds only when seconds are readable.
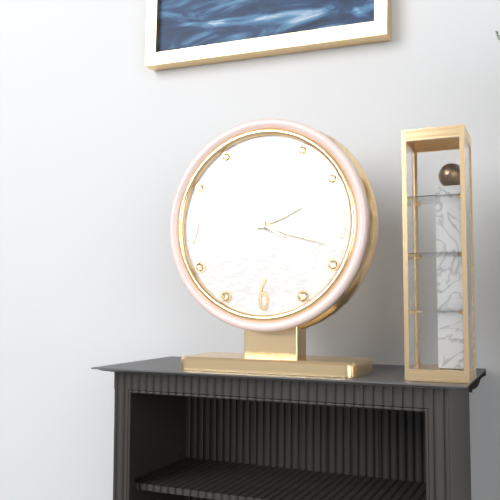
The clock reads 2.18.50
